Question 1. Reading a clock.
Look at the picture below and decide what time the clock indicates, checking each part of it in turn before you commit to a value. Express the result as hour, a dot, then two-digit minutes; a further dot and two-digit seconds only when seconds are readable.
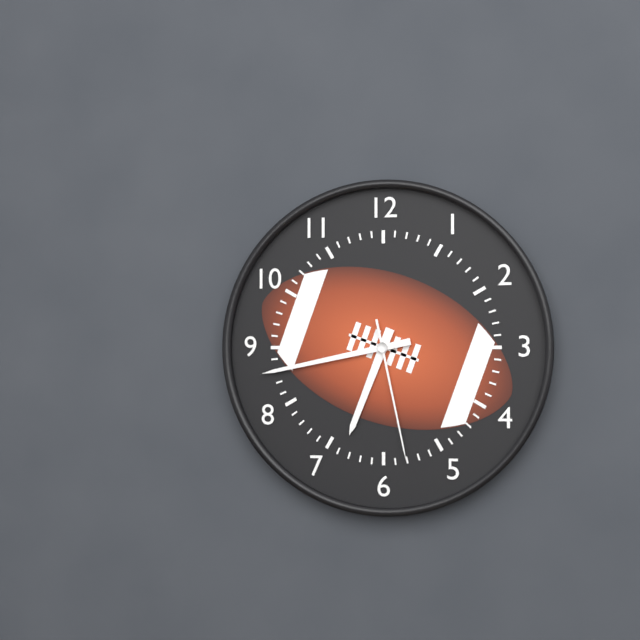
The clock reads 6.43.28
